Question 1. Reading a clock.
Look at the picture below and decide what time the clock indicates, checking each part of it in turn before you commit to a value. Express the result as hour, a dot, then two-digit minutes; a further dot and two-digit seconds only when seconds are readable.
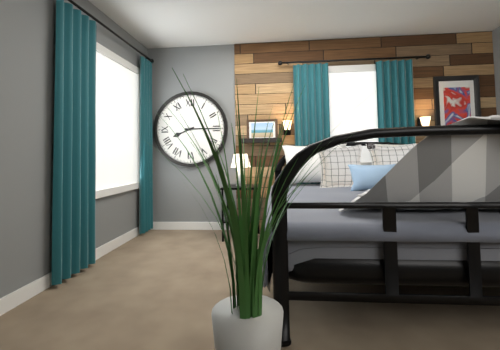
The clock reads 8.15
